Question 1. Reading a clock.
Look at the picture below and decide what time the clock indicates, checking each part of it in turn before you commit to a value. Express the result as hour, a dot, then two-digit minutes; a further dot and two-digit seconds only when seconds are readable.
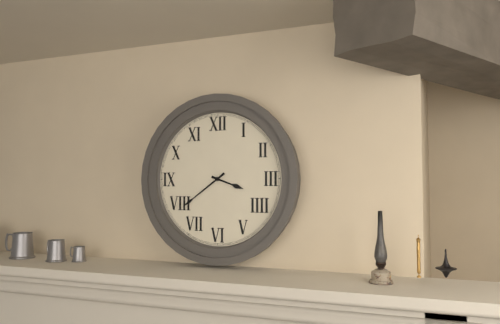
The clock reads 3.39
